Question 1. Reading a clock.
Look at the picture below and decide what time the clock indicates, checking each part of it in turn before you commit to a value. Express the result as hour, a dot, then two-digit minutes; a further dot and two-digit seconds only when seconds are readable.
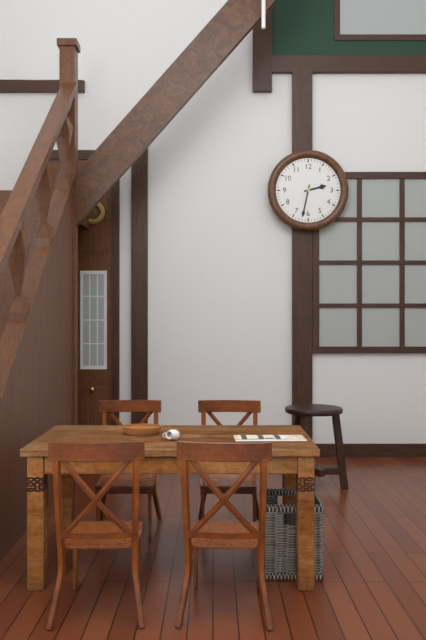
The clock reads 2.32
